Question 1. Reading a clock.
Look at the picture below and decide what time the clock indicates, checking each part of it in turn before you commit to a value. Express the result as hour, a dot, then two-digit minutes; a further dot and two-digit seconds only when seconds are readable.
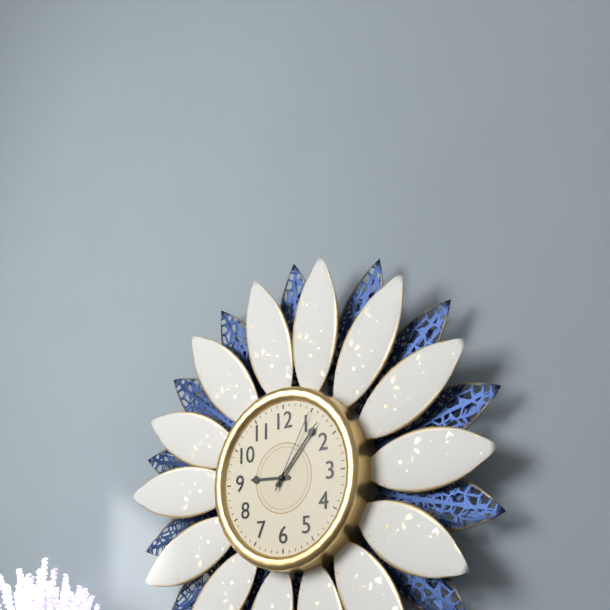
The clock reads 9.07.05
